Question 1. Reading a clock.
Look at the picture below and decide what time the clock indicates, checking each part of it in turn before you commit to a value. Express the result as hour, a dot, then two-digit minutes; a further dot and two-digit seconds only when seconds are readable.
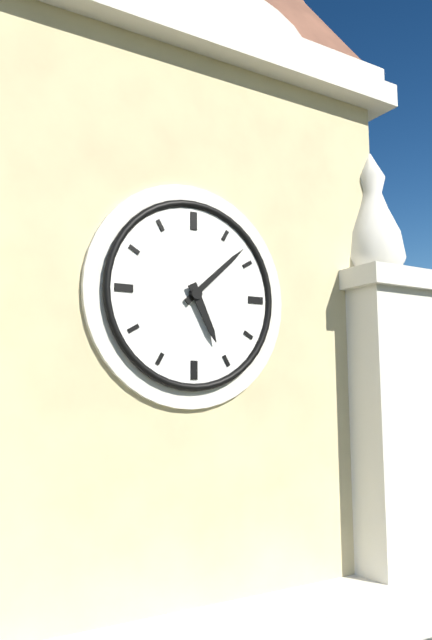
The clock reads 5.08
